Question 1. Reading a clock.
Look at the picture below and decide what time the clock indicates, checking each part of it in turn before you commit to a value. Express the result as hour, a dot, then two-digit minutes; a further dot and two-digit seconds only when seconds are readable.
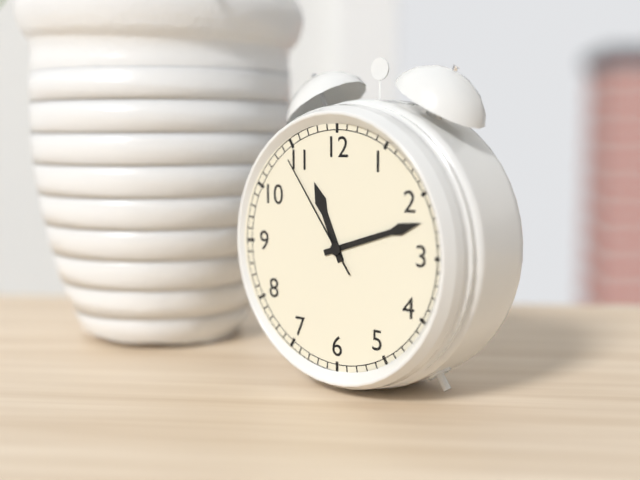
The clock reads 11.12.54
